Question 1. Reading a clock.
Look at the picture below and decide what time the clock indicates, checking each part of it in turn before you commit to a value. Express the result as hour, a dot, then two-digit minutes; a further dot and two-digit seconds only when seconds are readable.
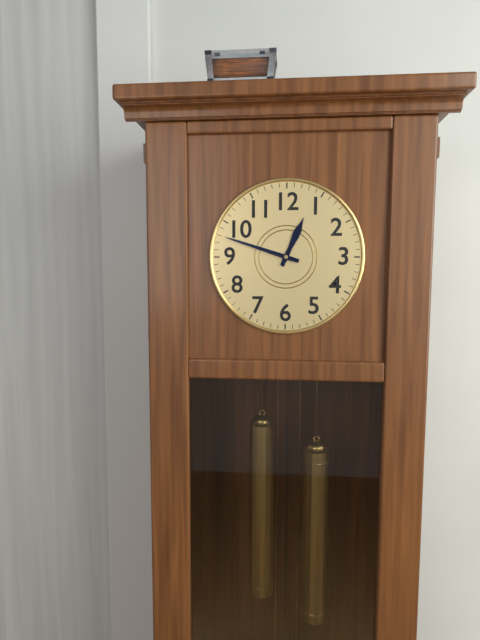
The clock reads 12.48
